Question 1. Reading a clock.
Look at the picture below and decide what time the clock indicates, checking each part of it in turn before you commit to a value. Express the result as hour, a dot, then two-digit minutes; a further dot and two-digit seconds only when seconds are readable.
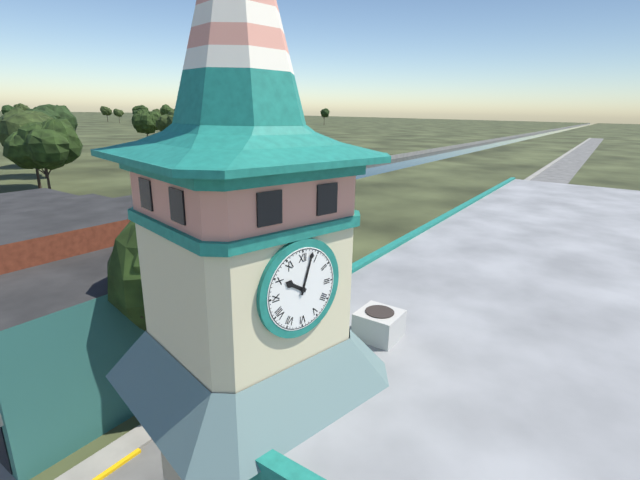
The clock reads 10.03
